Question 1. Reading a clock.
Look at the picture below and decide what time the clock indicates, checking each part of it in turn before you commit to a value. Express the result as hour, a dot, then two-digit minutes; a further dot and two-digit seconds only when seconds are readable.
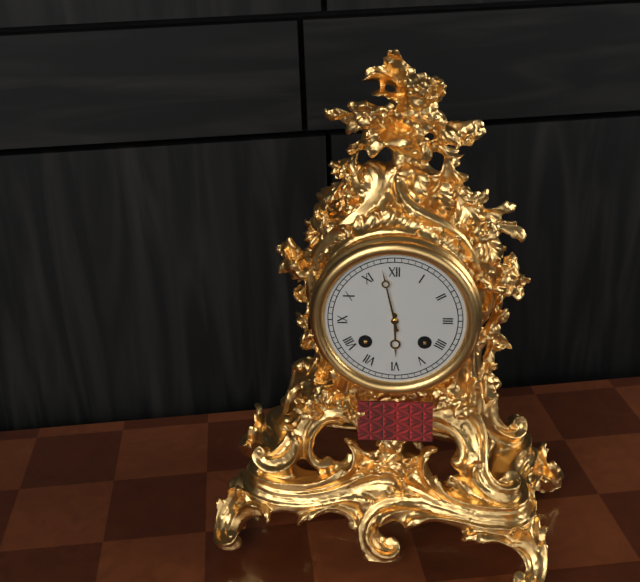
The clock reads 5.58
